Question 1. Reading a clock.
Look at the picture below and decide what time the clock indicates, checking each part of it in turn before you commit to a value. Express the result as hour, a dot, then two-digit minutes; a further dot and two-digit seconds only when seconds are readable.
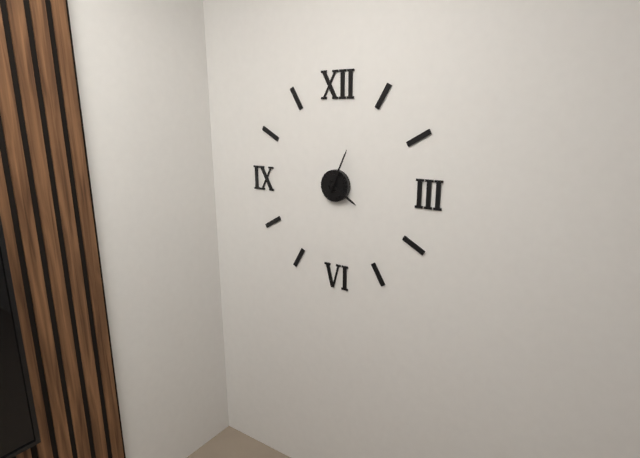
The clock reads 4.04
